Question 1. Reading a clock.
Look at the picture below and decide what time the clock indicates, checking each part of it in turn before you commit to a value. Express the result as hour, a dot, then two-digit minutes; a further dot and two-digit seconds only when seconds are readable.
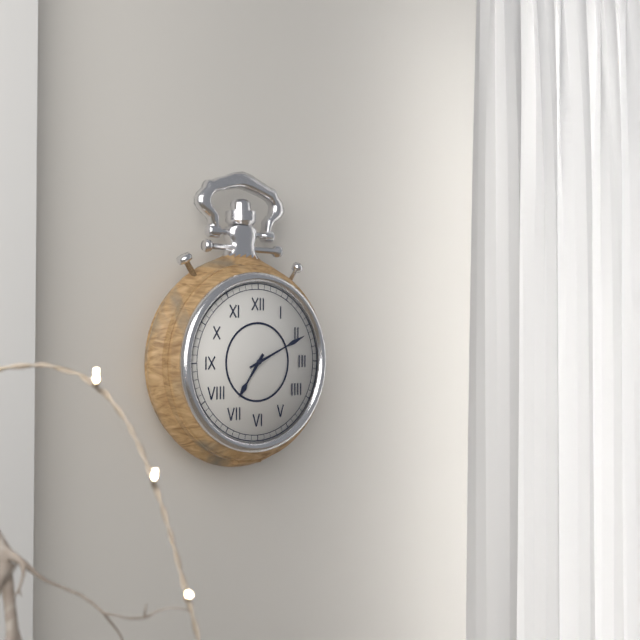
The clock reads 7.11
